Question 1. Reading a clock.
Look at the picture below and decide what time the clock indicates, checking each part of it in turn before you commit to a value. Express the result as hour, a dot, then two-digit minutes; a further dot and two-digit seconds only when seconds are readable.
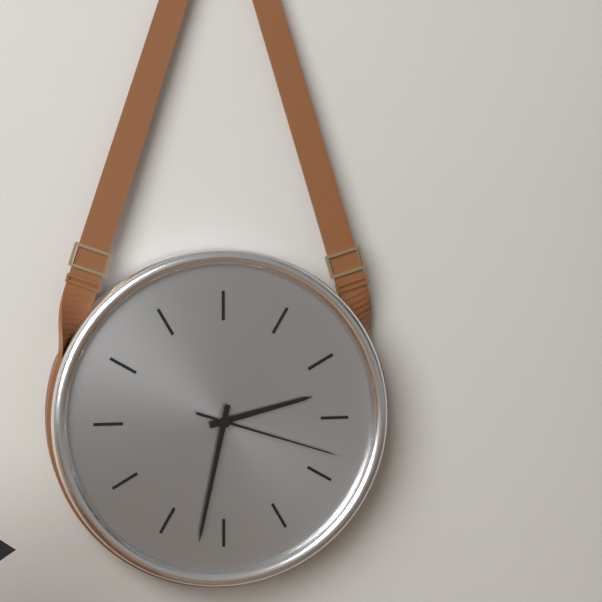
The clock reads 2.32.18
